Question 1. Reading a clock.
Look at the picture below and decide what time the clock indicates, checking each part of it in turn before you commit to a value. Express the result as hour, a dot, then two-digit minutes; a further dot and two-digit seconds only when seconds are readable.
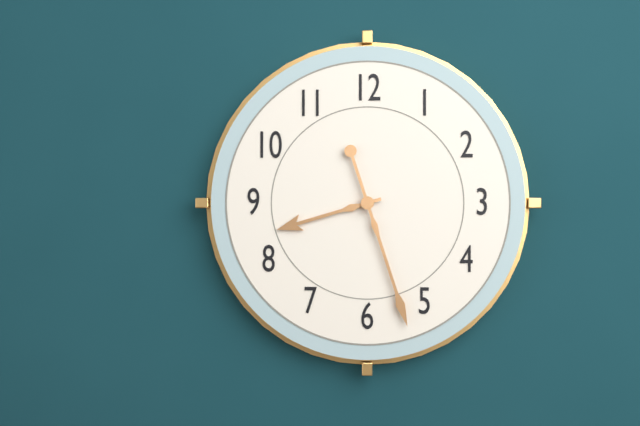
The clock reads 8.27
